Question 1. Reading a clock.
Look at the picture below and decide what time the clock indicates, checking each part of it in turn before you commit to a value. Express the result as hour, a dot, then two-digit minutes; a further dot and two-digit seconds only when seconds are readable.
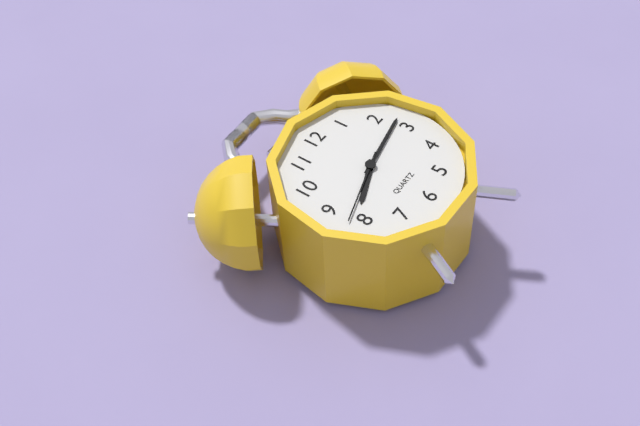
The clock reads 8.13.42
